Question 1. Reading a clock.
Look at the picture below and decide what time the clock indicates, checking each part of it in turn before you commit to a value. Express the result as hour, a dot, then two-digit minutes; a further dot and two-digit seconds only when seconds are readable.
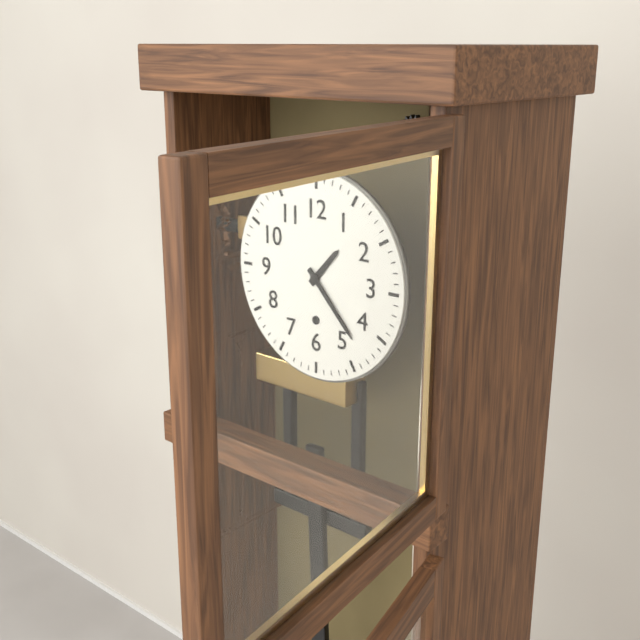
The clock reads 1.23
